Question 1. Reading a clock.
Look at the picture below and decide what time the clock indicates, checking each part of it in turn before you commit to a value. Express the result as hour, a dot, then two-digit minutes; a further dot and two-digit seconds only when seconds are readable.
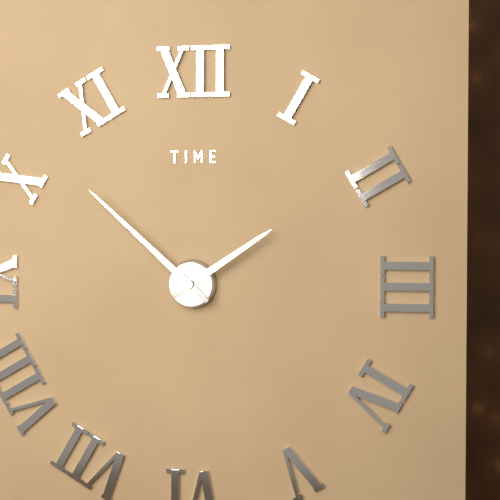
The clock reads 1.52
